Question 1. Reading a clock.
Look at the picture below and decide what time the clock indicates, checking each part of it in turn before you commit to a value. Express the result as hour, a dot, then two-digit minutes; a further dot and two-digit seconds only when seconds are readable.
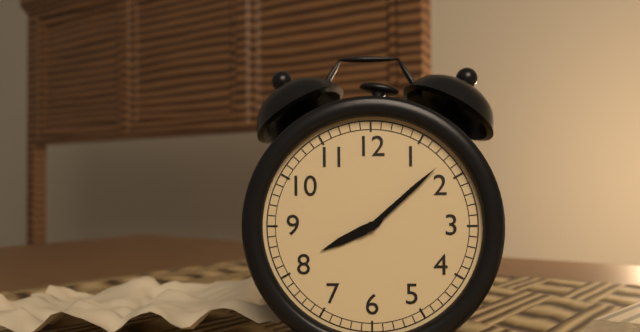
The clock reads 8.08
